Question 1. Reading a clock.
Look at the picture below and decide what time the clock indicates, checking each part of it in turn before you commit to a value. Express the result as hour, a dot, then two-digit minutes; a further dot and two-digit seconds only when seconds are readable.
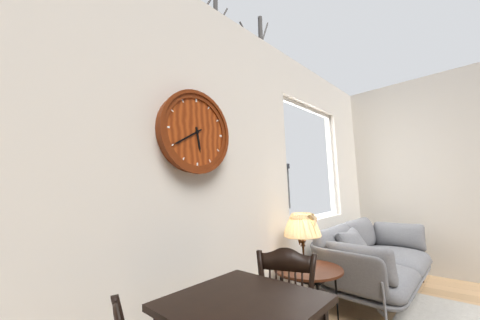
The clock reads 5.40
